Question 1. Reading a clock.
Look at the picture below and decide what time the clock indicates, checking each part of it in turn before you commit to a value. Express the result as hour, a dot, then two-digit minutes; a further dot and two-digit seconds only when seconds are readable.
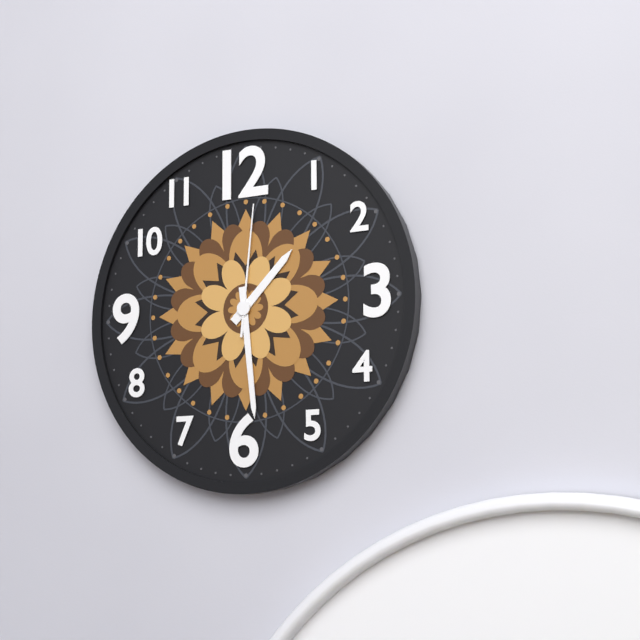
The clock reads 1.29.01
